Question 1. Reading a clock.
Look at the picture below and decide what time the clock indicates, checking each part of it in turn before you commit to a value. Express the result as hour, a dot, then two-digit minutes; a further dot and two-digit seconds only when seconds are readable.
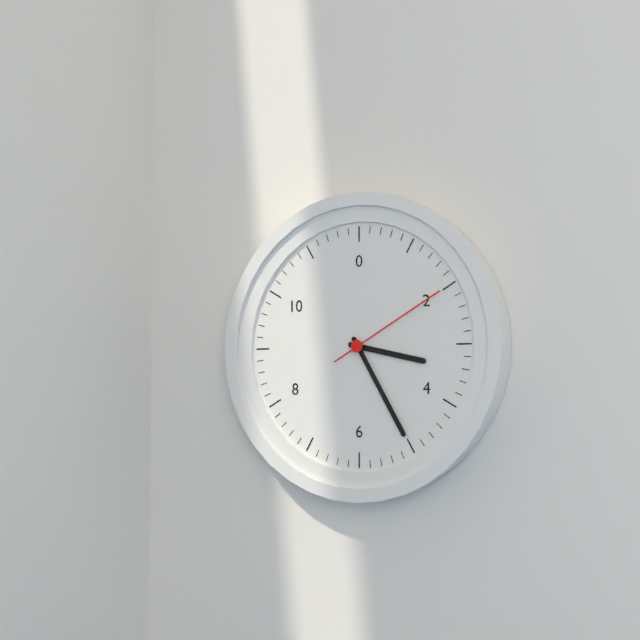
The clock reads 3.25.10
